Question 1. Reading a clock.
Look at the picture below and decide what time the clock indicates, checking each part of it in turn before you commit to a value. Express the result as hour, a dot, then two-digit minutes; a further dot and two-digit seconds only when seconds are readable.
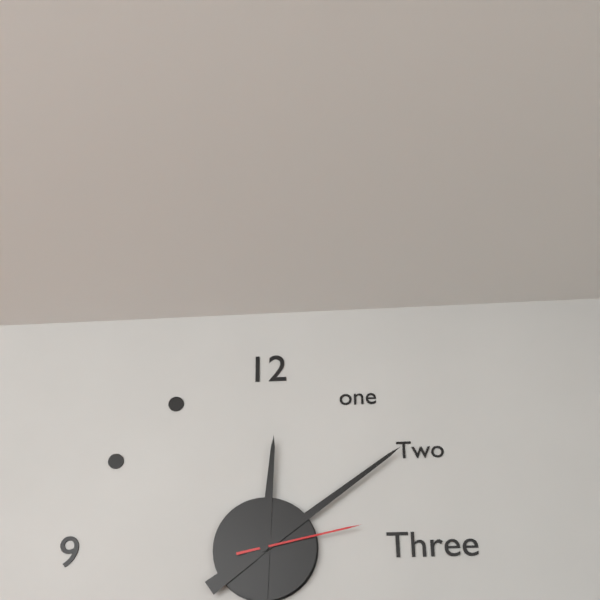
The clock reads 12.09.13
